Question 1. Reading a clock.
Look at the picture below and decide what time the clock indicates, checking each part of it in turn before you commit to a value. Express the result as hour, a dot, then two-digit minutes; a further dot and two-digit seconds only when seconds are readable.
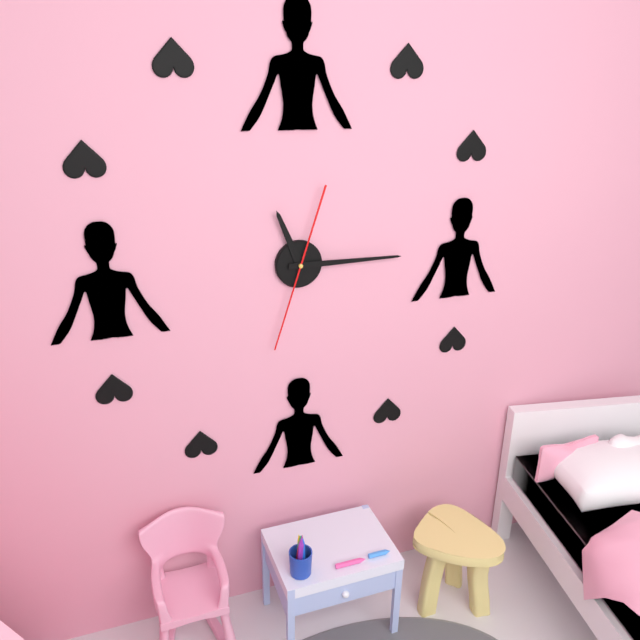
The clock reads 11.15.33
